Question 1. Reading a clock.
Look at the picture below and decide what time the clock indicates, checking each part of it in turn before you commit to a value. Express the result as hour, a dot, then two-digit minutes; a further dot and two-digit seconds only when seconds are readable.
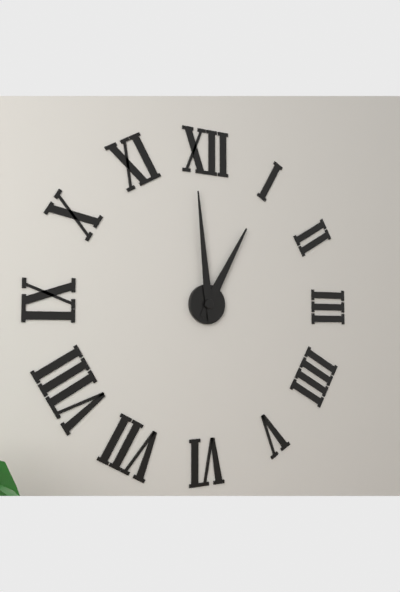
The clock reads 12.59
